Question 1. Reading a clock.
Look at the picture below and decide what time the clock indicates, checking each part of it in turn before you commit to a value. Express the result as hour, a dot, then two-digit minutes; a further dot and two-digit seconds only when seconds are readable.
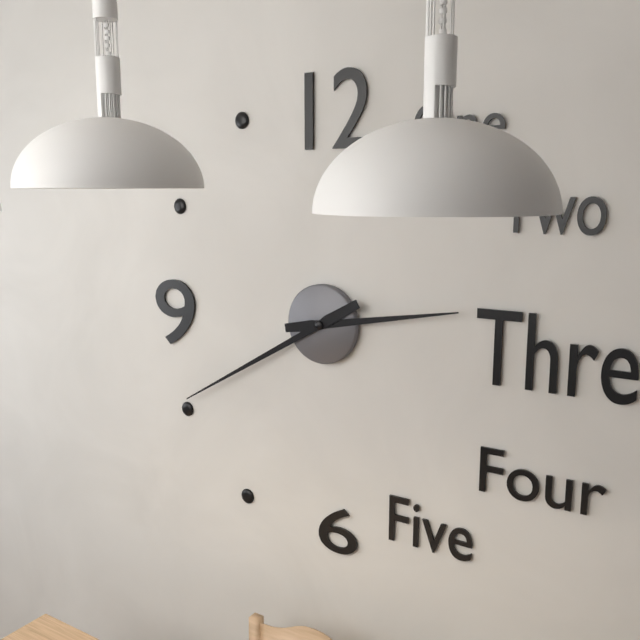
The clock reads 2.40
